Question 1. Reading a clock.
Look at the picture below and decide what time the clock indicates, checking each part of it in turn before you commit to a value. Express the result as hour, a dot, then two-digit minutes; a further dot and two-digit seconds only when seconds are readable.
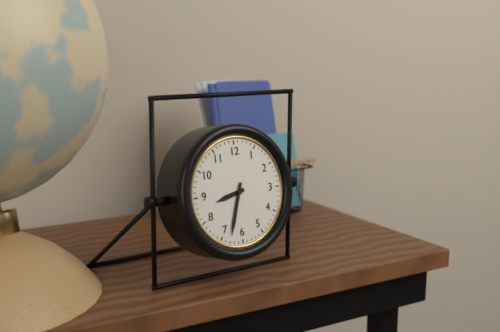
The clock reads 8.33
